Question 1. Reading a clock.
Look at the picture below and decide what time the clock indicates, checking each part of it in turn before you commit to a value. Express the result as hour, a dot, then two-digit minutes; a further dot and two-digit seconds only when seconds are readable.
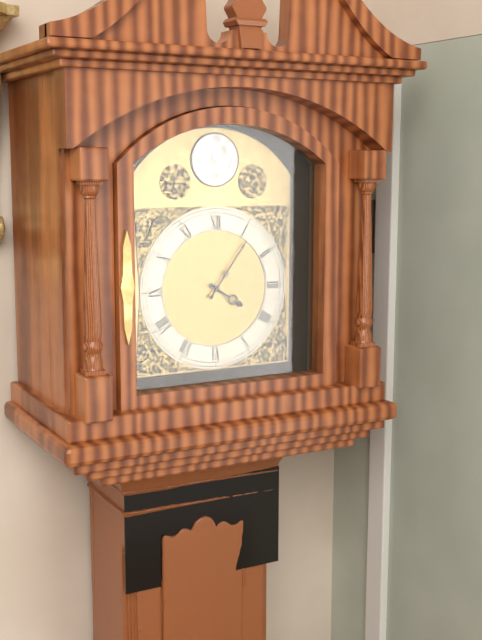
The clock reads 4.06
